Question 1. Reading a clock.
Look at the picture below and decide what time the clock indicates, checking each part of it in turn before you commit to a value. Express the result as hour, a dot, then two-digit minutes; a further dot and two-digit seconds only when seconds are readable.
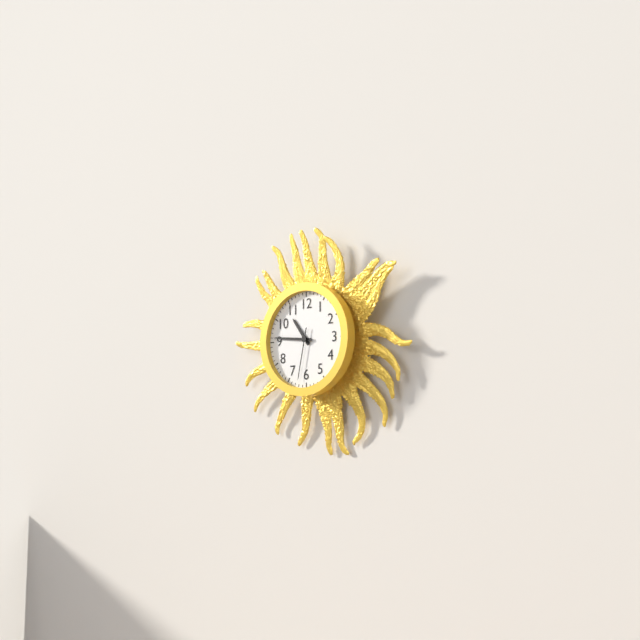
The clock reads 10.46.32
